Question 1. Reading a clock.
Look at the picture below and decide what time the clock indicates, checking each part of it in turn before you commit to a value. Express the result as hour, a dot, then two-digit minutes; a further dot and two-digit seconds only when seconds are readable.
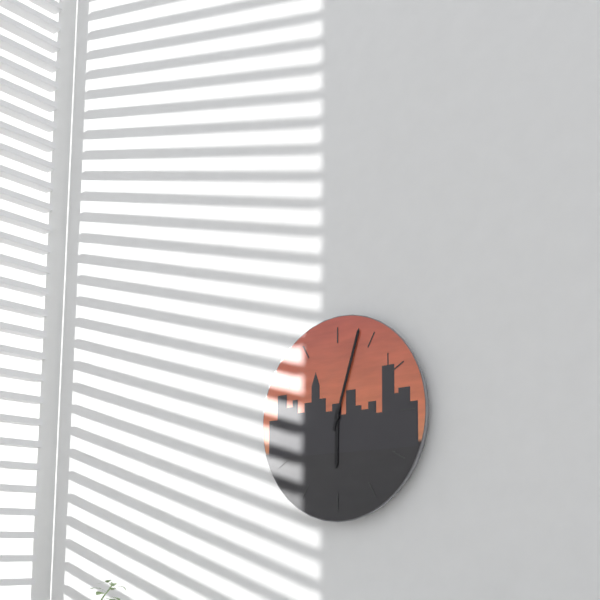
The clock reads 6.03
